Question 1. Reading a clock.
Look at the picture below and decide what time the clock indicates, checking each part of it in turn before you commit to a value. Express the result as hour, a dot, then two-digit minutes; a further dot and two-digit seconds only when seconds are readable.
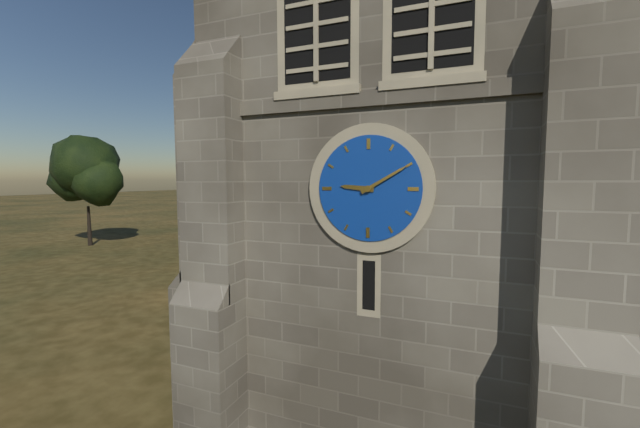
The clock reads 9.10
